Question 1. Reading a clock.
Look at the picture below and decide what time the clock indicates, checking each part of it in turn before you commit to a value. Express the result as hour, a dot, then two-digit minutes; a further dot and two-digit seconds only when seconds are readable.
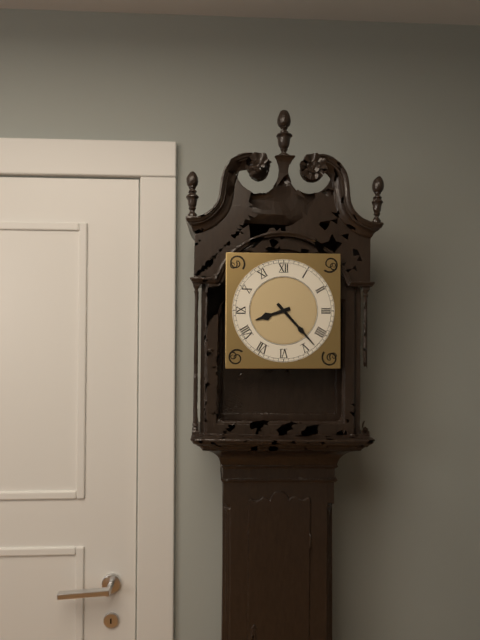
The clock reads 8.23
